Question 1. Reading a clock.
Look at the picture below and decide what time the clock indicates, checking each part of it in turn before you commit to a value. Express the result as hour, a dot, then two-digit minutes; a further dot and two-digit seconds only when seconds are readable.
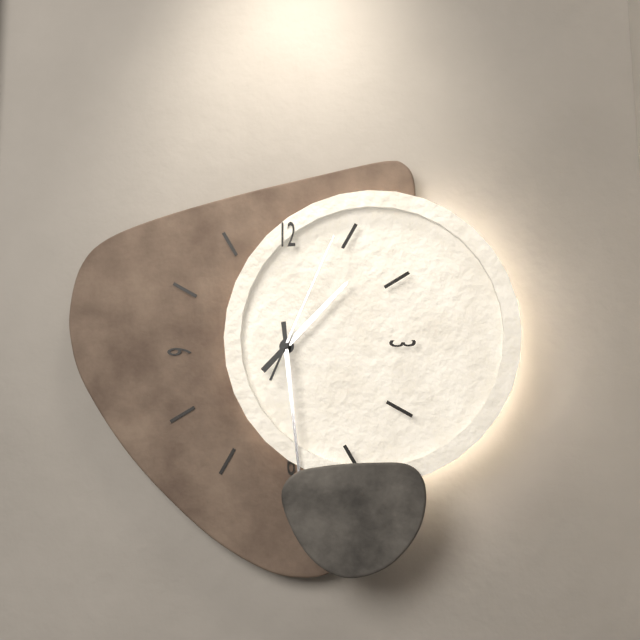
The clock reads 1.29.04
